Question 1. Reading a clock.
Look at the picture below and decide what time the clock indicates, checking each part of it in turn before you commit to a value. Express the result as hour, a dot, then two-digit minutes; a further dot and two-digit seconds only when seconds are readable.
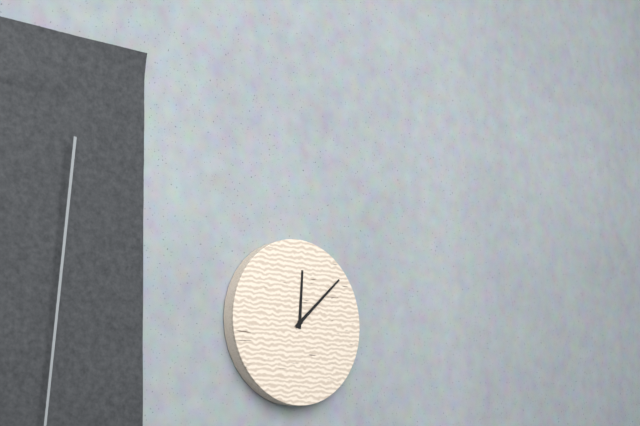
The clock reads 12.08
